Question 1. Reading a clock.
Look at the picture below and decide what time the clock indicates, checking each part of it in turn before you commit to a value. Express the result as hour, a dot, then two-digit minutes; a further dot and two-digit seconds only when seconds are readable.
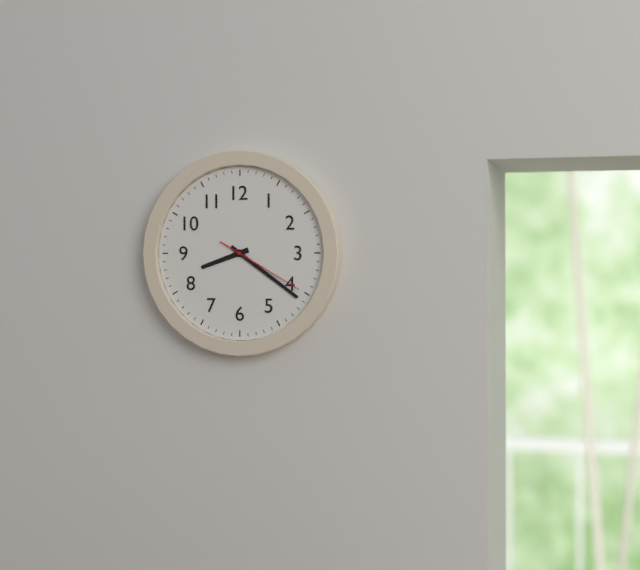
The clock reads 8.21.20
